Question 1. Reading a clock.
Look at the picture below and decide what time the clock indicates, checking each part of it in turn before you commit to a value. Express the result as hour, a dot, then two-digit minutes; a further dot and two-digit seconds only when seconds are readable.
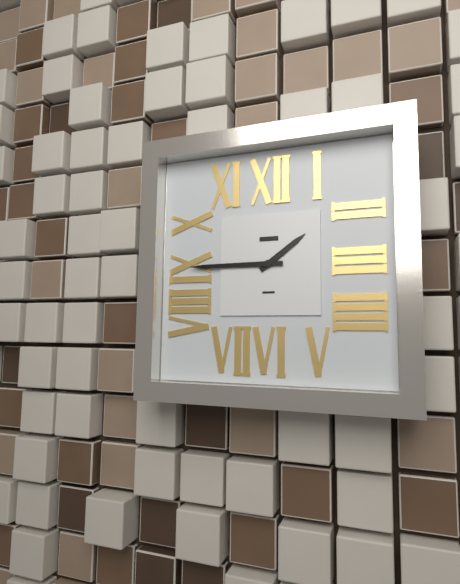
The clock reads 1.45
